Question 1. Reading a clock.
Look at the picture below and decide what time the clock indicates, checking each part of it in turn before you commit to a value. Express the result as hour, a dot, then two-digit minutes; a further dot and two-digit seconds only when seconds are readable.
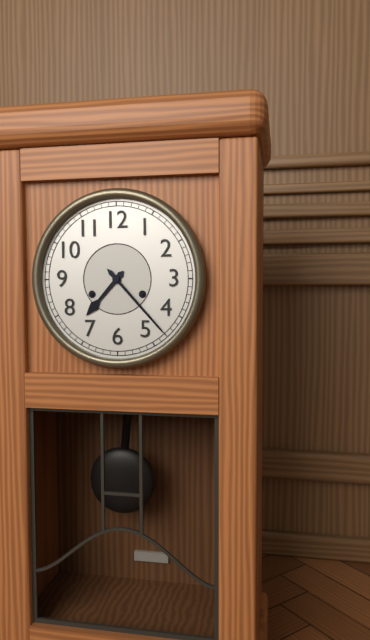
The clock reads 7.23
